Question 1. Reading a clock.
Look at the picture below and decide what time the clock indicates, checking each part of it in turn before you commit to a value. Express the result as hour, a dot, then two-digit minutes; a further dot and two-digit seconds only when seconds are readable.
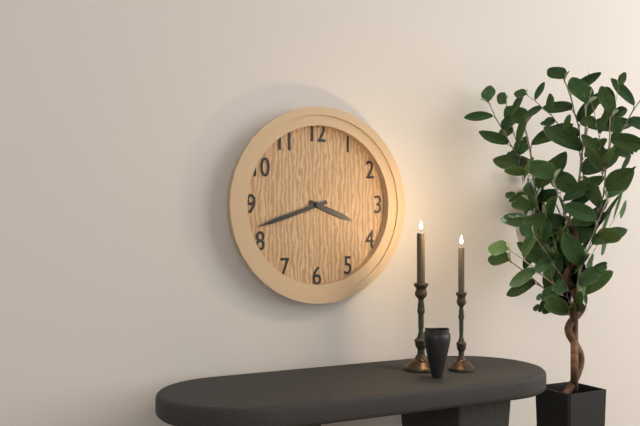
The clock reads 3.42
